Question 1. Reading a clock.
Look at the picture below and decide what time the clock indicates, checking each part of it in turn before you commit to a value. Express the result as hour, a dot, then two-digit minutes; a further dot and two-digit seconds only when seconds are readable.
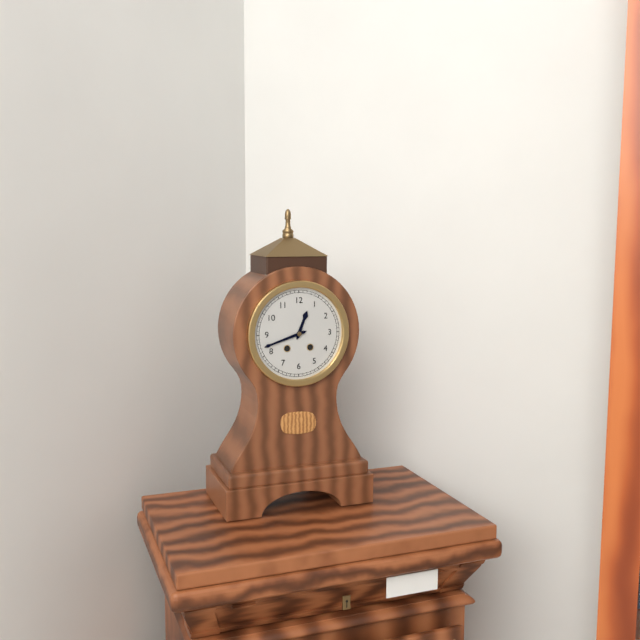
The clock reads 12.42
